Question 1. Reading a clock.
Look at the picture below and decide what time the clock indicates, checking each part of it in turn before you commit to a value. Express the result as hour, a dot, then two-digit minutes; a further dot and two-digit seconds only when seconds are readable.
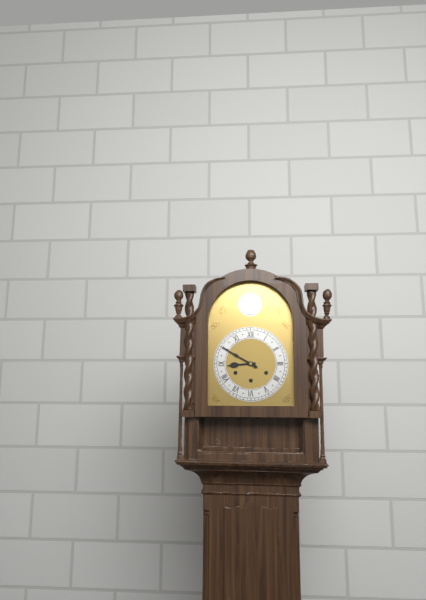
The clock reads 8.50
